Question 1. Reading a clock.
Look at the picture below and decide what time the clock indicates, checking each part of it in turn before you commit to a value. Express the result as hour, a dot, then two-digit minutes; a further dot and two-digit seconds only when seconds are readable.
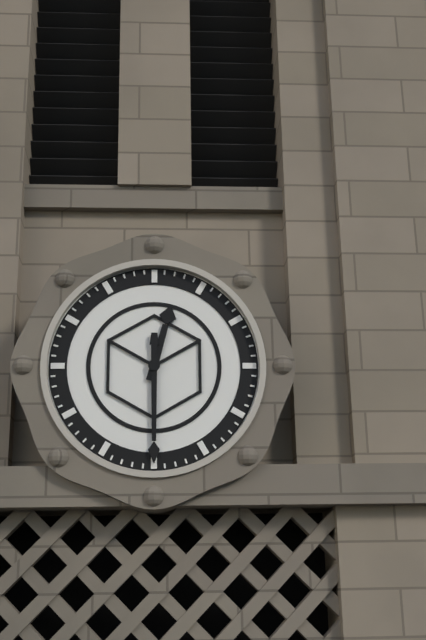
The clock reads 12.30
